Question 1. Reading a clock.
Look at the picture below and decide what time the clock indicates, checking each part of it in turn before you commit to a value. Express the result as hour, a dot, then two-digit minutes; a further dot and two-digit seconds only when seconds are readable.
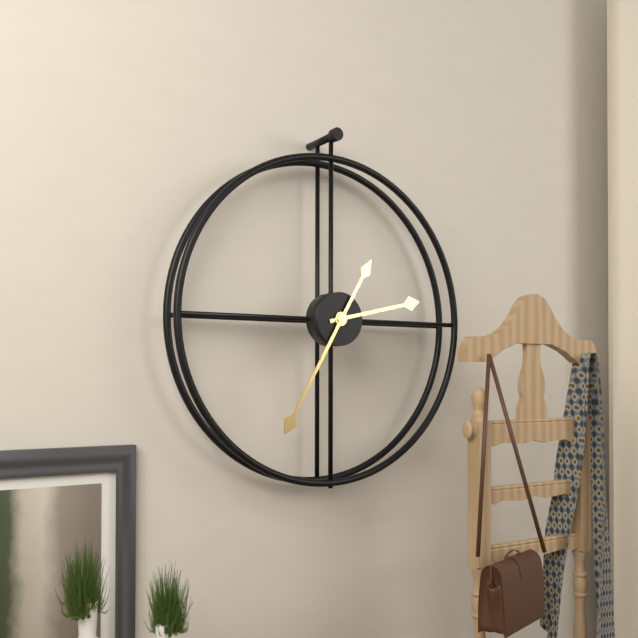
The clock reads 2.35
